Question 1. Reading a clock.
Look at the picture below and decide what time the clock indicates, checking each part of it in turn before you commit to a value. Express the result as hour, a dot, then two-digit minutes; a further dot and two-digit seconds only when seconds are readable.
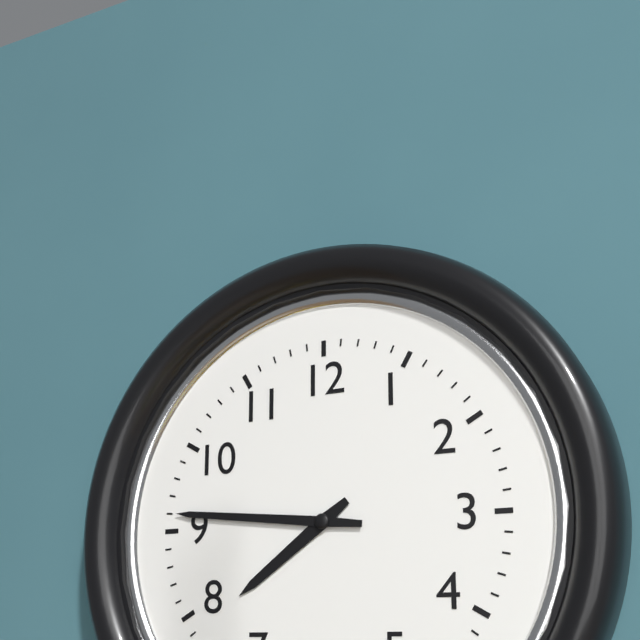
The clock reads 7.46
